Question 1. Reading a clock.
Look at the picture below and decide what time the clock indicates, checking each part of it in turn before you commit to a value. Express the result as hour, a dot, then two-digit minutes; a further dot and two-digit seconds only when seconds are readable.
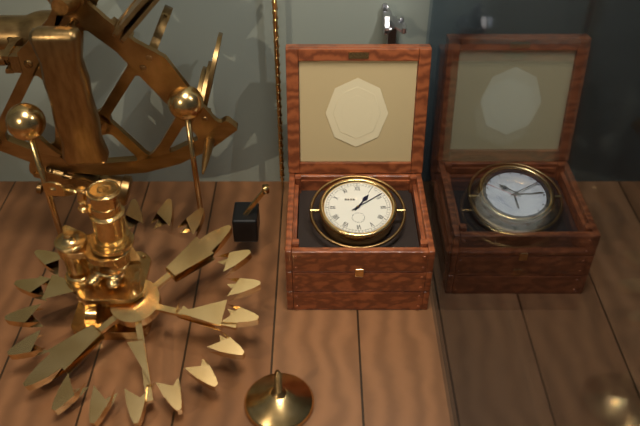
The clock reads 1.09
